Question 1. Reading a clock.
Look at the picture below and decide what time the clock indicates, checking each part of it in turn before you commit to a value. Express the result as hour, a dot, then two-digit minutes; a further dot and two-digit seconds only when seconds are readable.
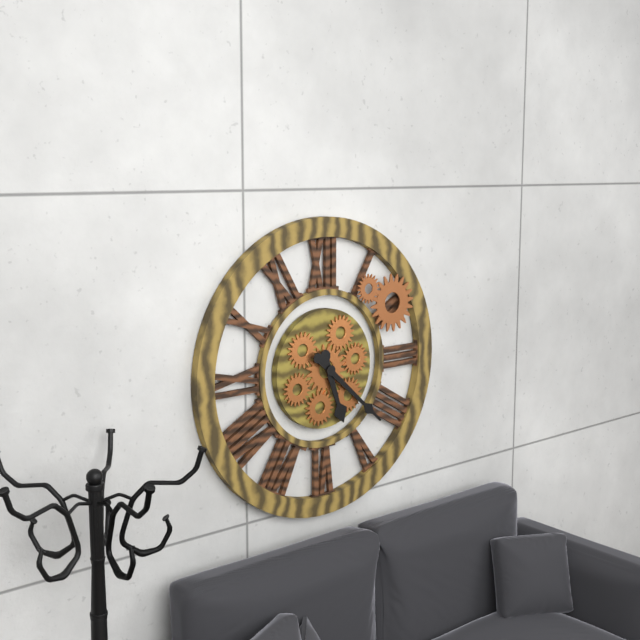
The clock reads 5.22
